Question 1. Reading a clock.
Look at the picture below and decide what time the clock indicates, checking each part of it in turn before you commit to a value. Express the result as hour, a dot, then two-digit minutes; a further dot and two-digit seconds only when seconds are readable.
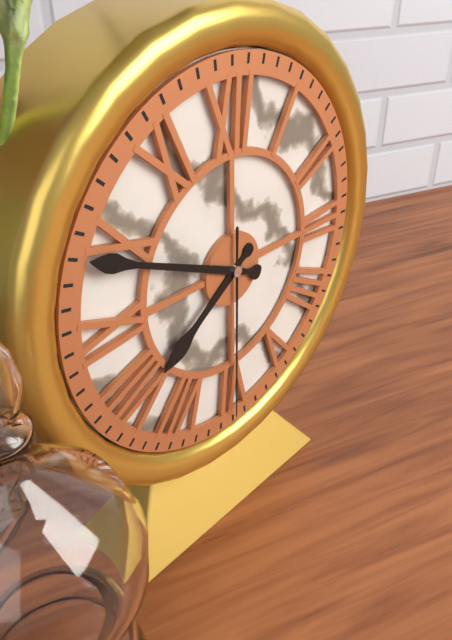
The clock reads 7.49.30
